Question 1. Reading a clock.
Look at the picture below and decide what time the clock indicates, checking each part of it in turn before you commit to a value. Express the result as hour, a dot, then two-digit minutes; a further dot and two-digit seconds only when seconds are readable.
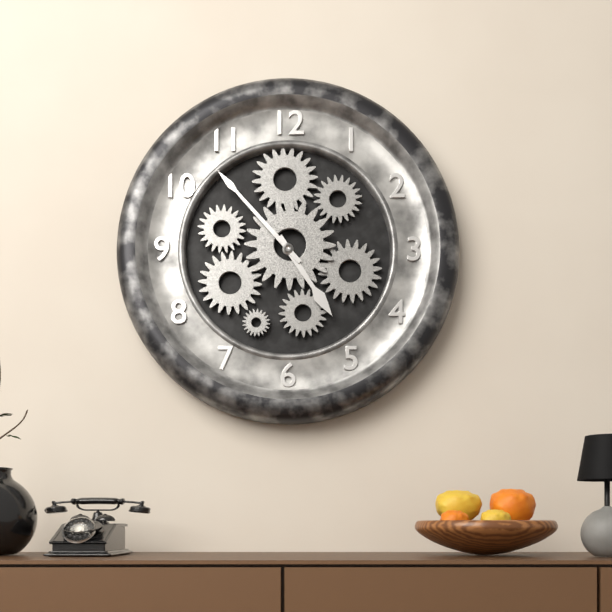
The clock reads 4.53
